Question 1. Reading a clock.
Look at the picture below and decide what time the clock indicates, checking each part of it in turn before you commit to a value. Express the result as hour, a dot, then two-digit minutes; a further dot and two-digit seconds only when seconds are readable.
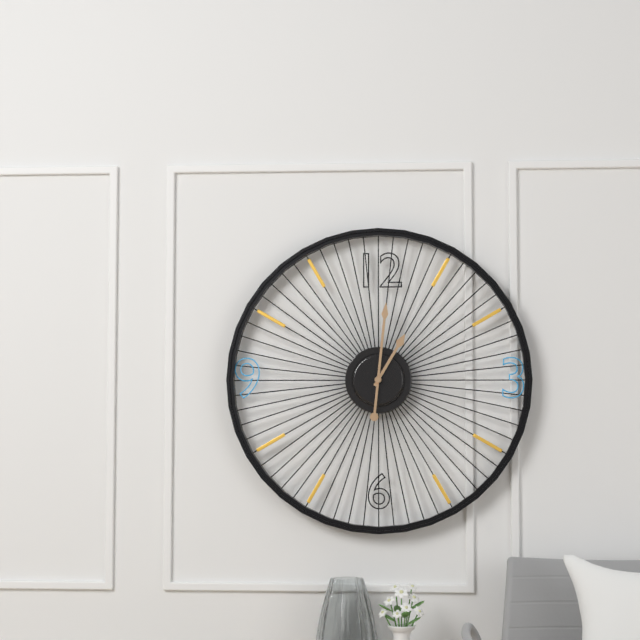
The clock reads 1.01
